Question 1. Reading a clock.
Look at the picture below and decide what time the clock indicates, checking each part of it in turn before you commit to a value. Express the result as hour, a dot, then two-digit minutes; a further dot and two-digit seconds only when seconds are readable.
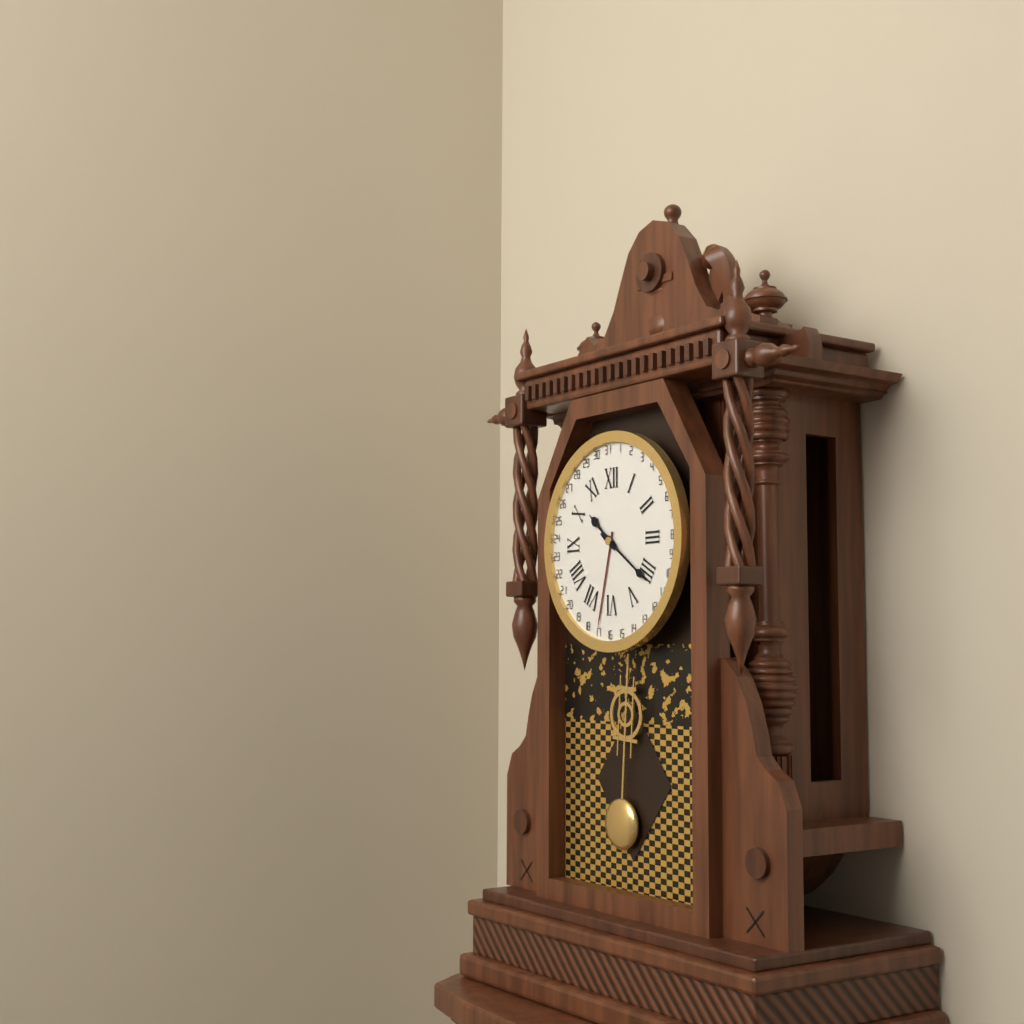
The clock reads 10.21
